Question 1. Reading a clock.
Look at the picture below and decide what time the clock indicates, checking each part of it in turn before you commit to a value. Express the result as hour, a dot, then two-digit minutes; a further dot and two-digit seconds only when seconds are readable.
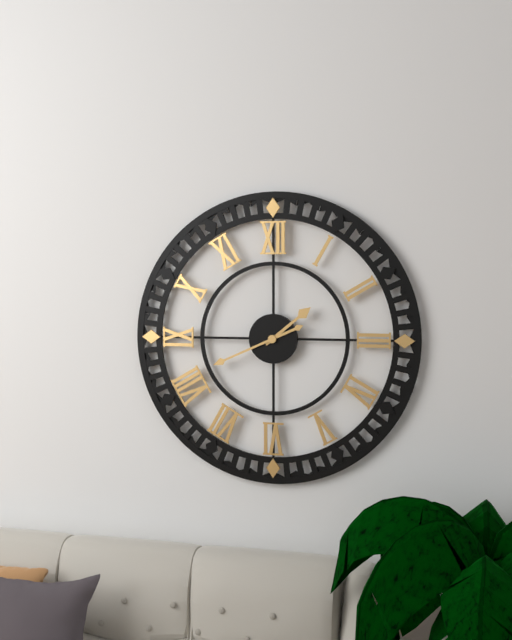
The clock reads 1.41
